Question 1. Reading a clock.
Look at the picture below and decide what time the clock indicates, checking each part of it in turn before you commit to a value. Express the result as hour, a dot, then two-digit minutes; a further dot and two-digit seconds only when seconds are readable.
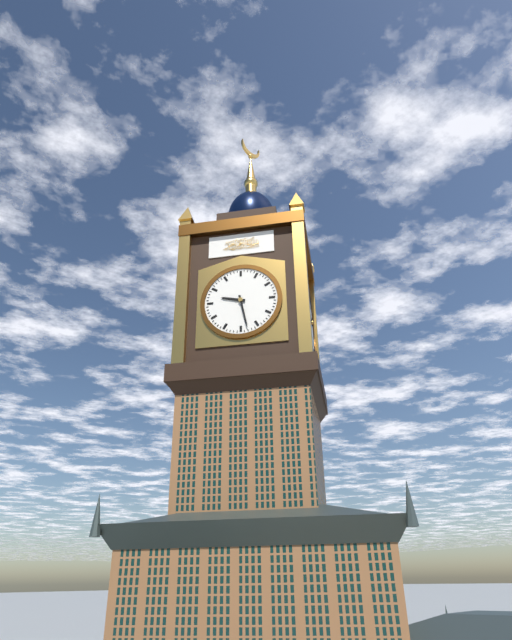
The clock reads 9.28
